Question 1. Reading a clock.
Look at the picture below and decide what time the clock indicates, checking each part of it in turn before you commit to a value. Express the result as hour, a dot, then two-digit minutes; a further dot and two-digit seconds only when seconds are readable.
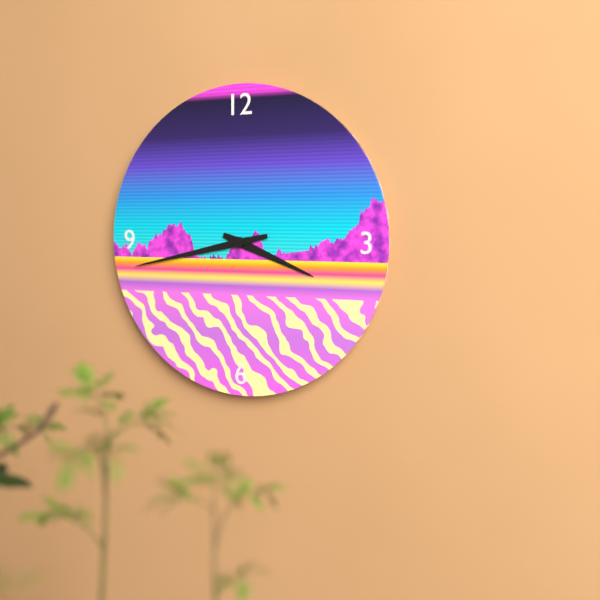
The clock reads 3.43
